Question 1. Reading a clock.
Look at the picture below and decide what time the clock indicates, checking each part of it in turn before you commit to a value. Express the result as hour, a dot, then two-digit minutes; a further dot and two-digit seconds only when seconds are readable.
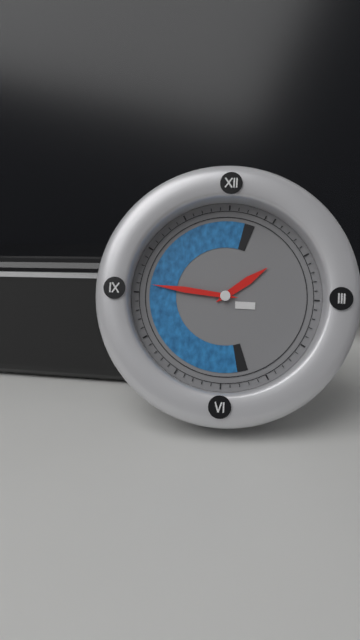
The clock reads 1.46
